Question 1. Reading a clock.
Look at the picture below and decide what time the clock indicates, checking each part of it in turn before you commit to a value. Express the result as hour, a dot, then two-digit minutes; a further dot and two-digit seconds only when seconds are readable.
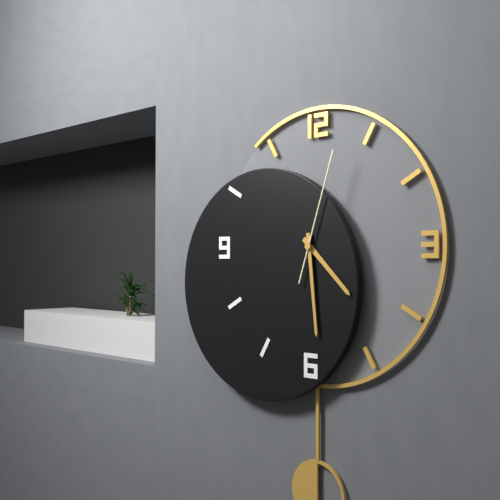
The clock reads 4.29.03
